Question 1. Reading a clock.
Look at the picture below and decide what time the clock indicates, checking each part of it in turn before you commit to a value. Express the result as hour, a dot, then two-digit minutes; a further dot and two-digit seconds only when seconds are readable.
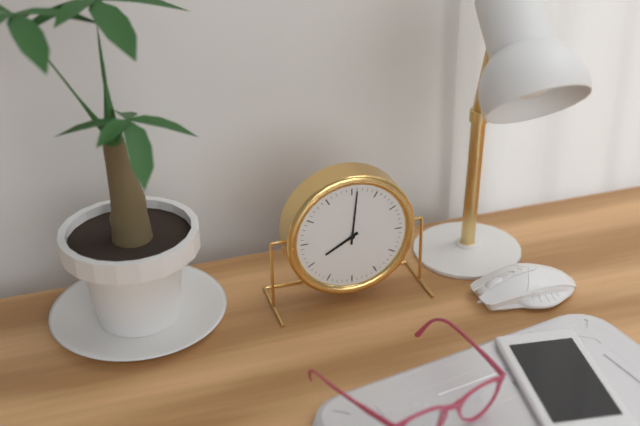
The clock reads 8.01
